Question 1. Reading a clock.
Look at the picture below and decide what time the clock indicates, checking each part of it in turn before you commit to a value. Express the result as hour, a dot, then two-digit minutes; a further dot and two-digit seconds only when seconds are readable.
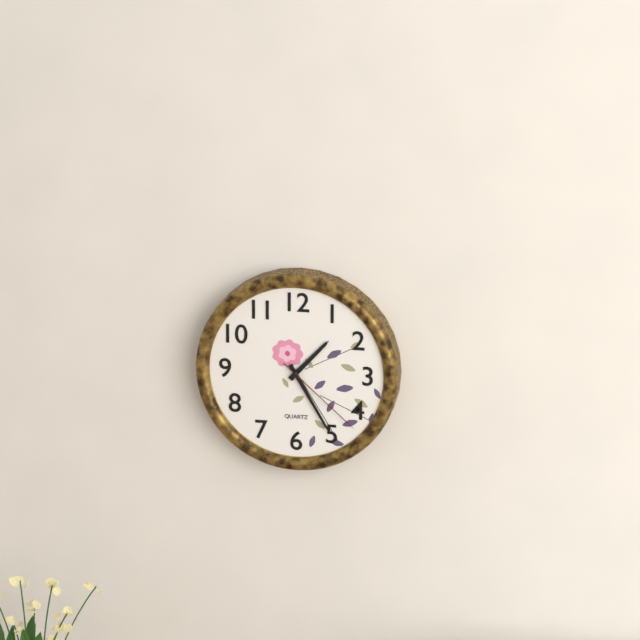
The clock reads 1.25.22
